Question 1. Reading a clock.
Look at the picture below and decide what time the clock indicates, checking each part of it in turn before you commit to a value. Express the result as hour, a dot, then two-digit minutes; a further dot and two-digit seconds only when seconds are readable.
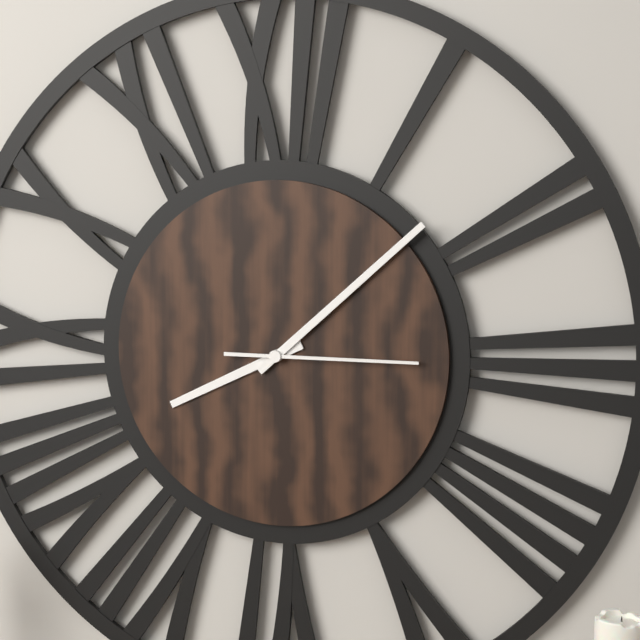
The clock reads 8.08.15
